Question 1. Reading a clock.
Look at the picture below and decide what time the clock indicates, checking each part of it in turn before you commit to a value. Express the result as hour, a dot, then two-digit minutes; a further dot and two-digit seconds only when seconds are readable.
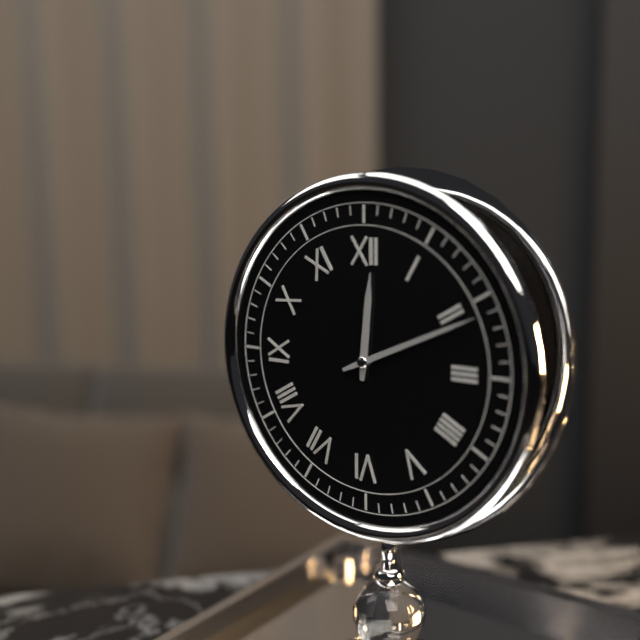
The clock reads 12.11
